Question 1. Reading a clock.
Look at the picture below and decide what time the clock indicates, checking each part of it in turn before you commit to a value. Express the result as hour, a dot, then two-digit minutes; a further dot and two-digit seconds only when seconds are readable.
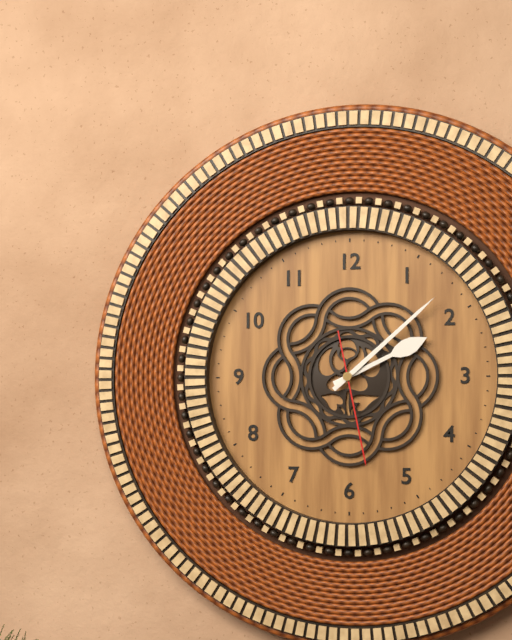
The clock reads 2.08.28
